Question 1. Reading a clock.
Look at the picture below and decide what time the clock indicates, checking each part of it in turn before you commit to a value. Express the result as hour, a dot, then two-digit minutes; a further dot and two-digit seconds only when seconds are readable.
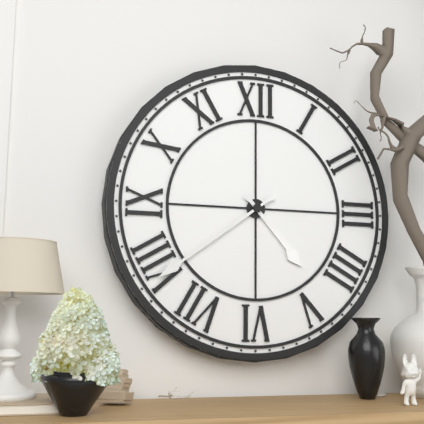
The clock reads 4.39
